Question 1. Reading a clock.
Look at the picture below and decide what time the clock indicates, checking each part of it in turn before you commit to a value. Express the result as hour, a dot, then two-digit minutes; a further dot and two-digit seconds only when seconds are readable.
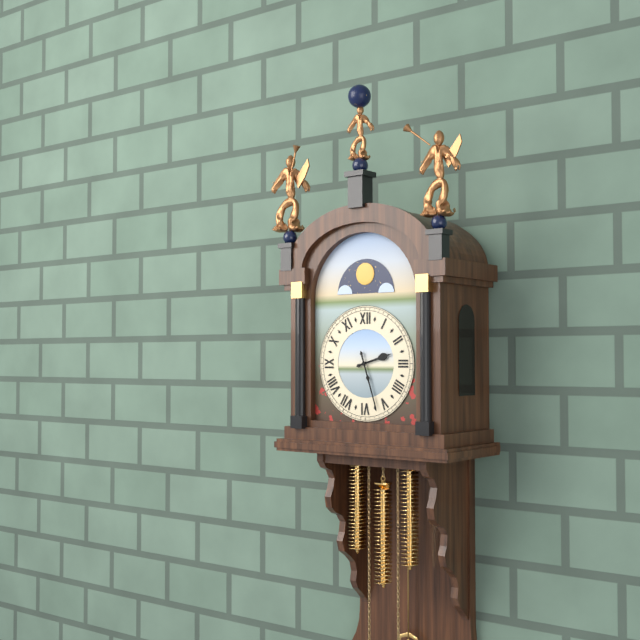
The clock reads 2.27
